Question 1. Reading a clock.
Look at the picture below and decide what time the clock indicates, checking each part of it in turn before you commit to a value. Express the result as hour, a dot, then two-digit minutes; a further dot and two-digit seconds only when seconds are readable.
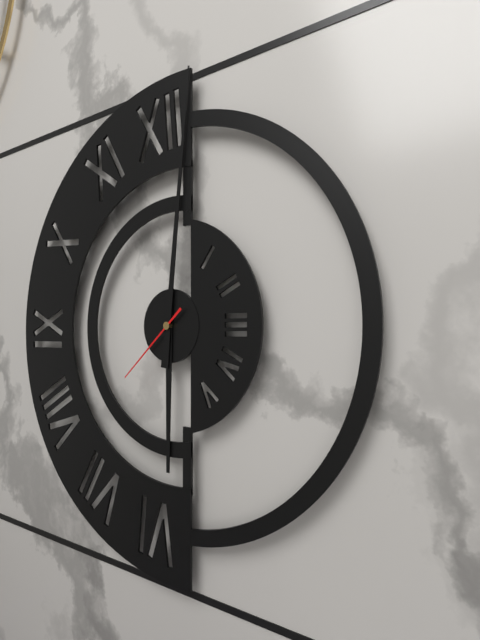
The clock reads 6.01.38
